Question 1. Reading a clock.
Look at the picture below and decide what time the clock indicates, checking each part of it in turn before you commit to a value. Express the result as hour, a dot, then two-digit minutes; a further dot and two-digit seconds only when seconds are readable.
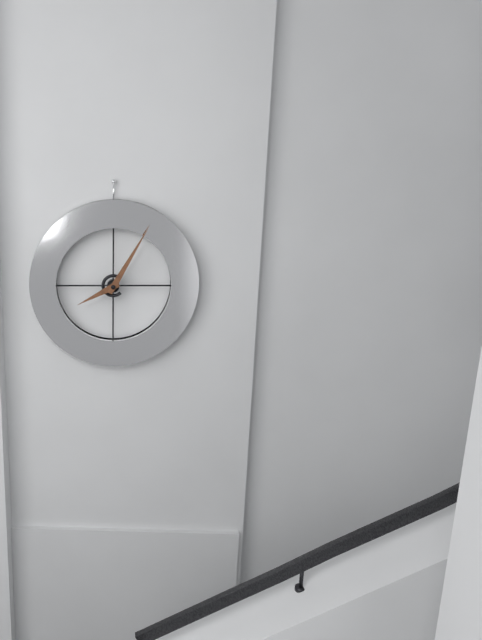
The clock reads 8.05
